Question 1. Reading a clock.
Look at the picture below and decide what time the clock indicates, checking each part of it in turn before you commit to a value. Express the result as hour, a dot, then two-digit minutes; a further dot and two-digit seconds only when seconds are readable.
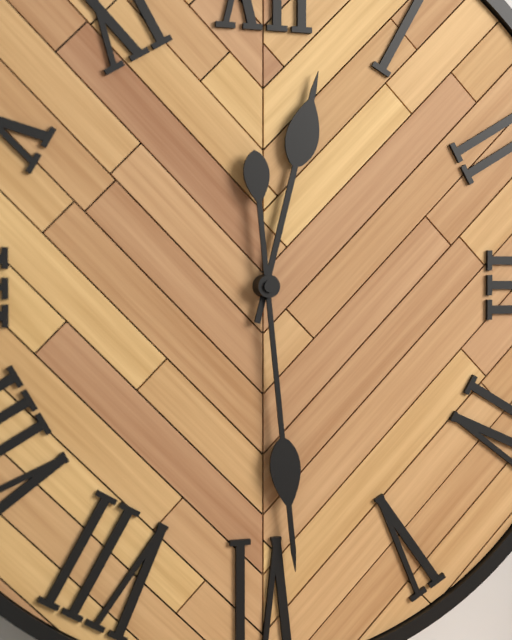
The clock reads 12.29
